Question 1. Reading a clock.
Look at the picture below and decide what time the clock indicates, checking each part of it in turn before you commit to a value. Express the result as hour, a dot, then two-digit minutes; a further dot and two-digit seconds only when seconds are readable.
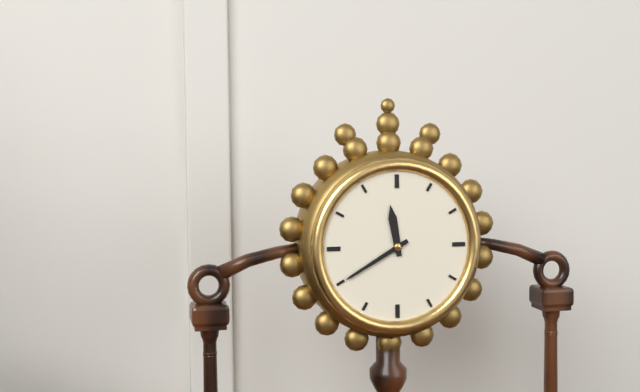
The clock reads 11.40
